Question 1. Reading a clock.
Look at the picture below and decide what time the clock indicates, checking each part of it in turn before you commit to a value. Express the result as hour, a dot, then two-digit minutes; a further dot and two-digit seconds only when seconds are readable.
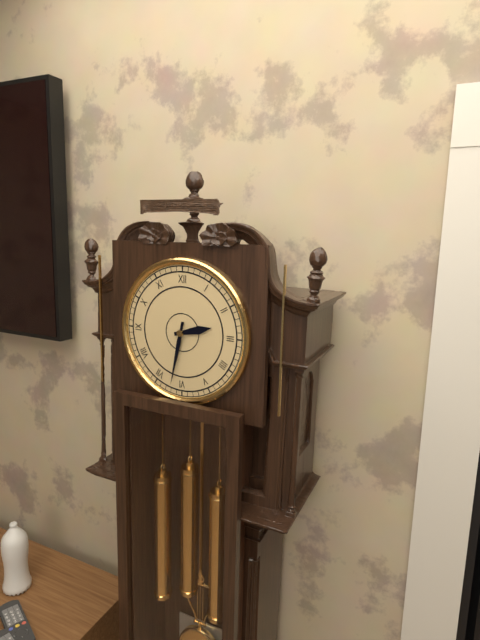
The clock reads 2.32
